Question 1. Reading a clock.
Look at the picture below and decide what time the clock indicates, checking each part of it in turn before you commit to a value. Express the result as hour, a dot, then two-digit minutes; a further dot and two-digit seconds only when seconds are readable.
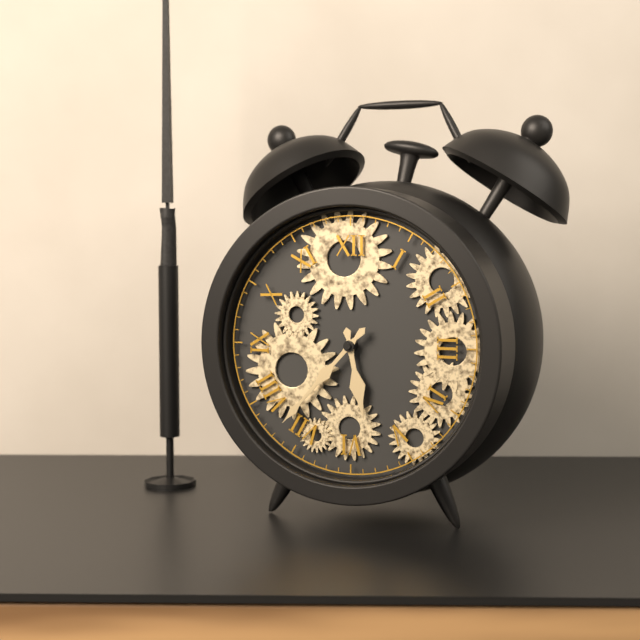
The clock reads 5.37
